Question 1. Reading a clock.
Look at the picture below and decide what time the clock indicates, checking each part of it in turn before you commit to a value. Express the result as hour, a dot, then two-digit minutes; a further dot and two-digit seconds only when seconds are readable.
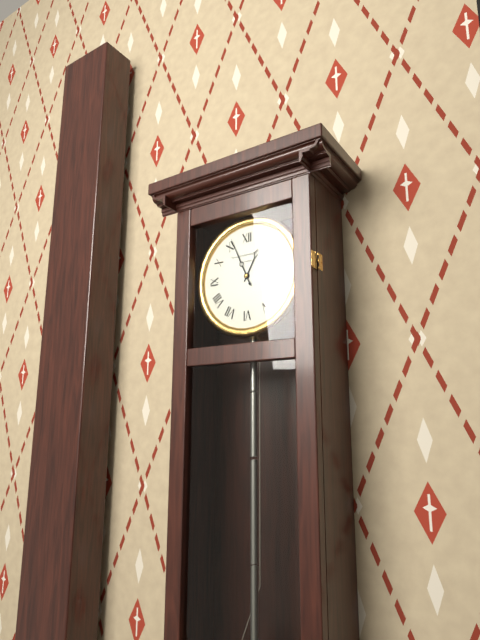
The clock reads 12.56
